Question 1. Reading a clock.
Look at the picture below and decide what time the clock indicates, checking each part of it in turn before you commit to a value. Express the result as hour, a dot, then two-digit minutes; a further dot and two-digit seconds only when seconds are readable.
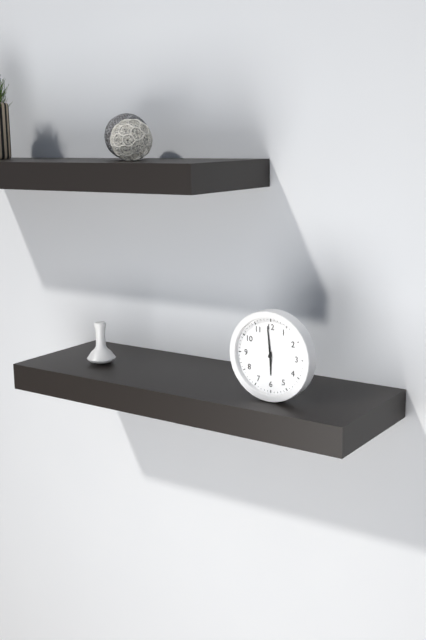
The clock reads 5.59
